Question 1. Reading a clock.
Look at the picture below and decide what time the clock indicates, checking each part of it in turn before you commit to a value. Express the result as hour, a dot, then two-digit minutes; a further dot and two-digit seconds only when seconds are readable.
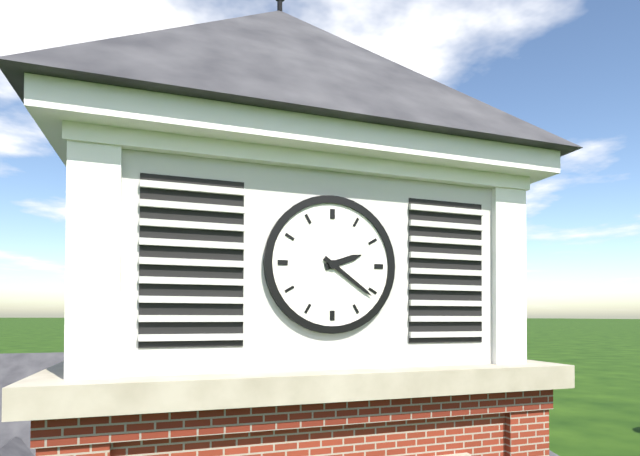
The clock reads 2.21
